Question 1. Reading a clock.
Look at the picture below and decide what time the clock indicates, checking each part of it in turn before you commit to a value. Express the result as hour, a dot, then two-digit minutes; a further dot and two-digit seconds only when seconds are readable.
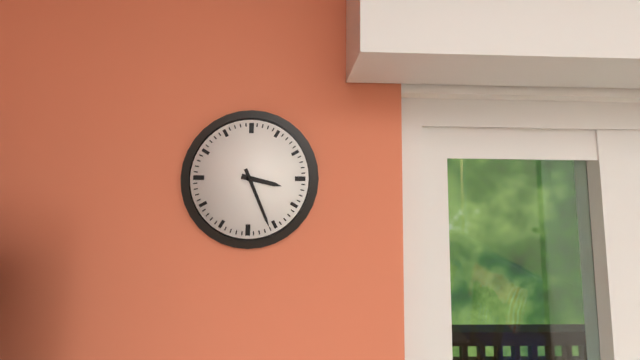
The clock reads 3.26
